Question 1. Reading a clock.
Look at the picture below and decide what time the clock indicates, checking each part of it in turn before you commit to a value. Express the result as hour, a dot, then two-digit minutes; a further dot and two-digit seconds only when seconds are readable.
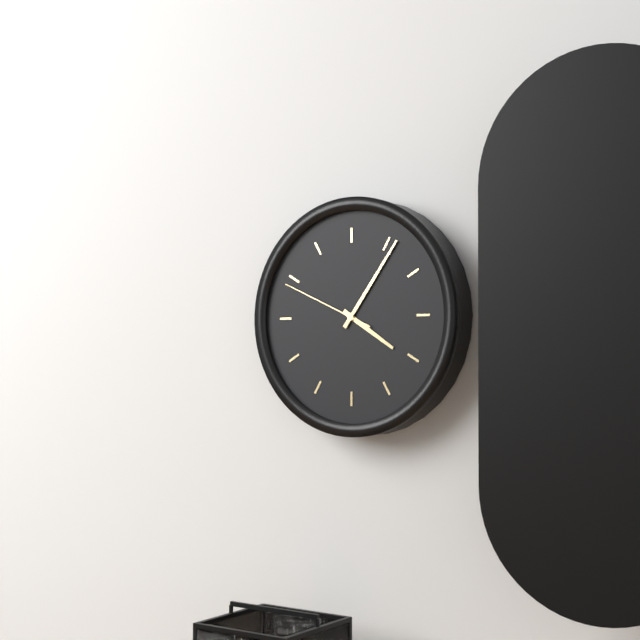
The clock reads 4.06.49
